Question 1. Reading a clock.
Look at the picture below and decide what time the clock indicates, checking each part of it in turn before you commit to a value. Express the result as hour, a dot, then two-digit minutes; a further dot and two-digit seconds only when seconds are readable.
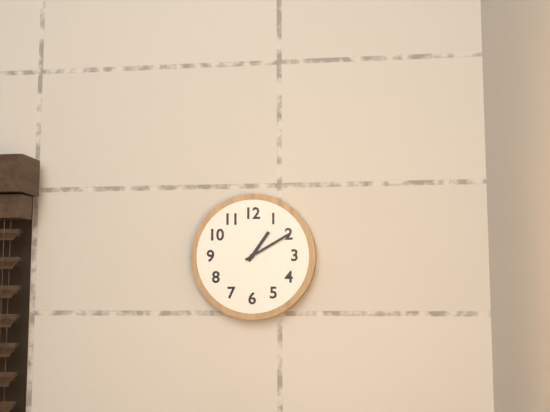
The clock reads 1.10
